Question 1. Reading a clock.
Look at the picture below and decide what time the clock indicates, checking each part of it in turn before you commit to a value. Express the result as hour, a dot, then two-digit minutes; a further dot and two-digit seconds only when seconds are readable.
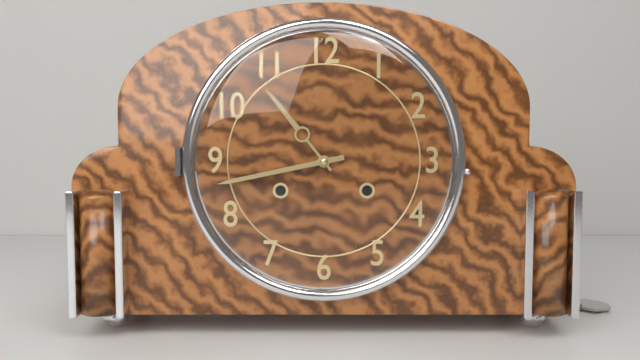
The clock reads 10.43
